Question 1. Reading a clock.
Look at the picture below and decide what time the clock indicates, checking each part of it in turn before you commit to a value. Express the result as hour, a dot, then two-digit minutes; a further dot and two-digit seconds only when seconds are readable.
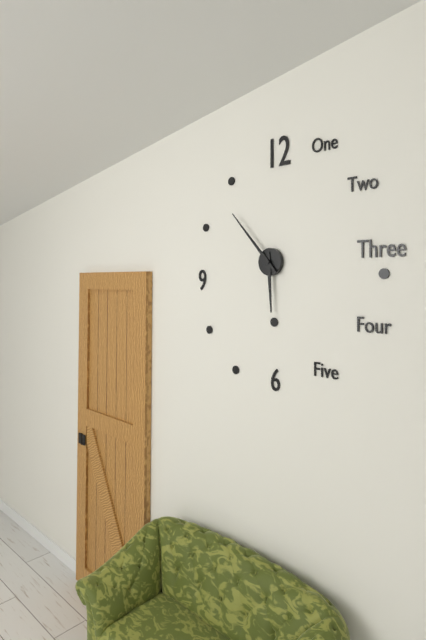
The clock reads 5.53
